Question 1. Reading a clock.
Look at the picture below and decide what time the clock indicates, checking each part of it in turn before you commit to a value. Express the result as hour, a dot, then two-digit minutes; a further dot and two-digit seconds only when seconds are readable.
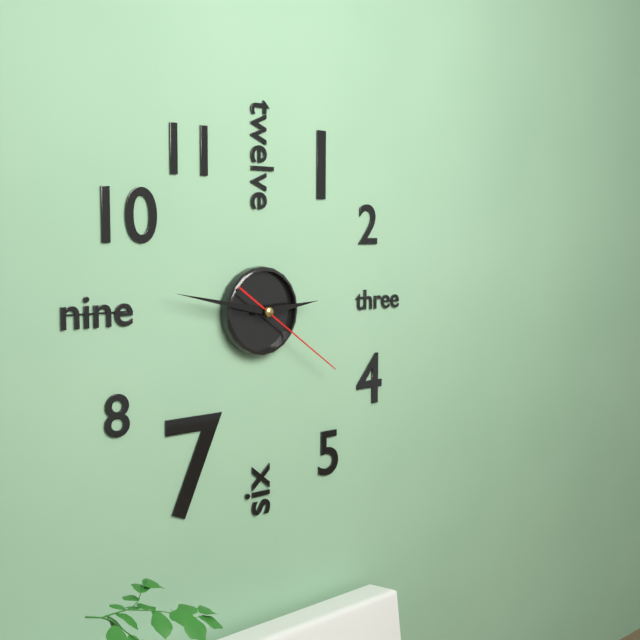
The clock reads 2.47.21
